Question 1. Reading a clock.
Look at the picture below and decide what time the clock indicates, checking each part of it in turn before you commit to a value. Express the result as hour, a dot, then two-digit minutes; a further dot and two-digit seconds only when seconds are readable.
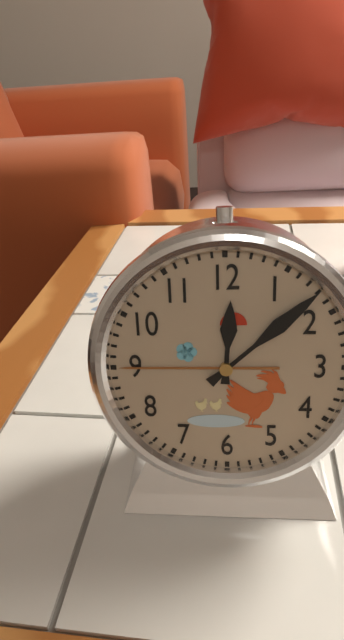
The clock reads 12.08
